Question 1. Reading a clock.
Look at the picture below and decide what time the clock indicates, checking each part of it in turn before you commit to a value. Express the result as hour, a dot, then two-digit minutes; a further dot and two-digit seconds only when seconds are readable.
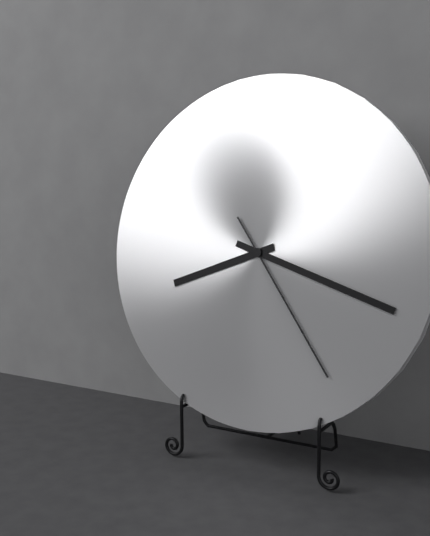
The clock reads 8.18.24
